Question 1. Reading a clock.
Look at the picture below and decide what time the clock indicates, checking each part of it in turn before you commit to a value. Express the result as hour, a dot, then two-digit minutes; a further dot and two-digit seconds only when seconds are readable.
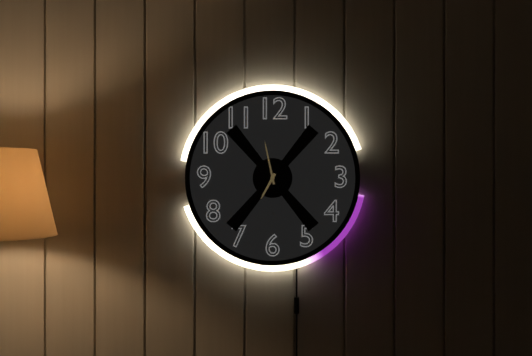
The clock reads 6.58
